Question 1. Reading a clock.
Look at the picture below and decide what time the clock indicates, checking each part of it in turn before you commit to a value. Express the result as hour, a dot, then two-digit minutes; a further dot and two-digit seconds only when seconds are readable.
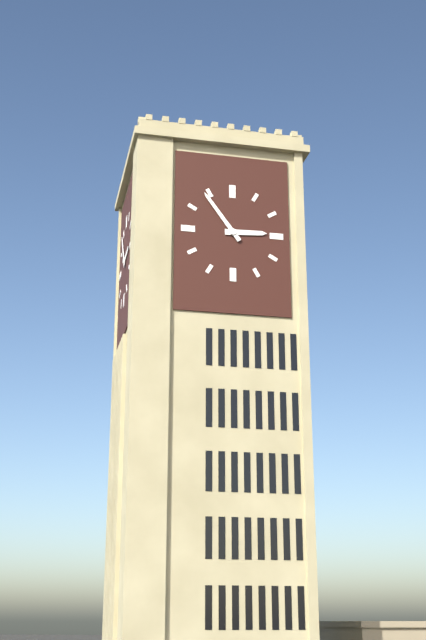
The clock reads 2.54
